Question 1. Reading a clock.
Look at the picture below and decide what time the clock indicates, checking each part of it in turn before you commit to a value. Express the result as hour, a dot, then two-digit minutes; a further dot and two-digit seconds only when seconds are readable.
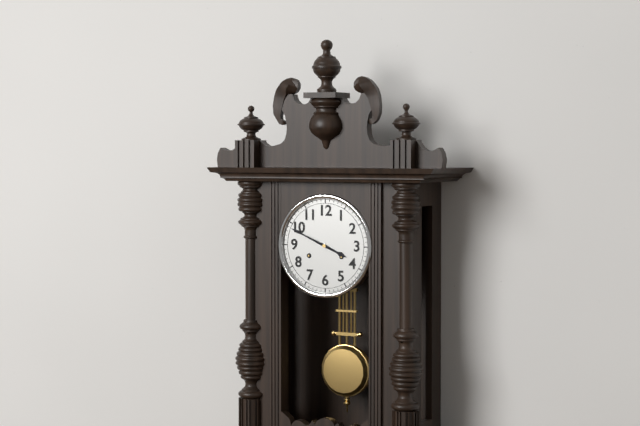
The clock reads 3.49
